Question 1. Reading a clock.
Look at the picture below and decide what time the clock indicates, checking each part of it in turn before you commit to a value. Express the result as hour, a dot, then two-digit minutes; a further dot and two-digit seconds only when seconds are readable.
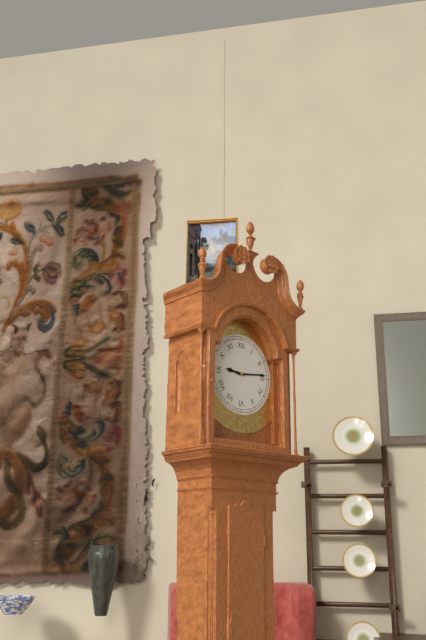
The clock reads 9.14
